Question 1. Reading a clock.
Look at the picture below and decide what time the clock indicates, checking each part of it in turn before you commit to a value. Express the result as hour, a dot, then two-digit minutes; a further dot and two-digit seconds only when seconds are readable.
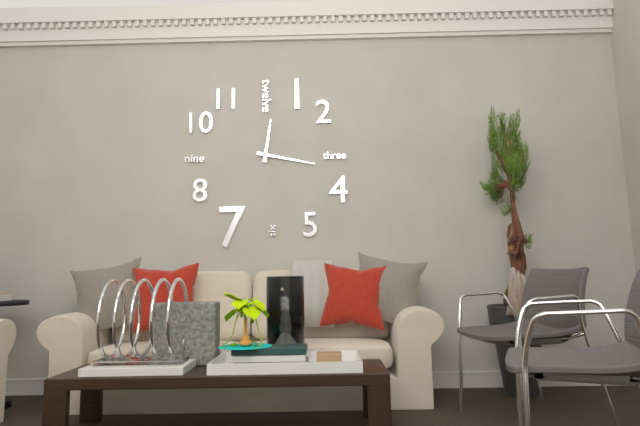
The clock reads 12.17
